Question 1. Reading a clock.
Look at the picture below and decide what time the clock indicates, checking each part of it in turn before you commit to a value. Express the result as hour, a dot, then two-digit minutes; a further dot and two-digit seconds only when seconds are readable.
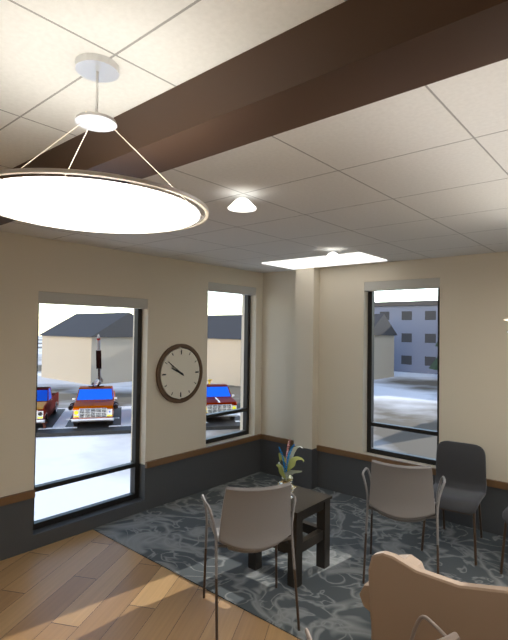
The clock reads 9.51
